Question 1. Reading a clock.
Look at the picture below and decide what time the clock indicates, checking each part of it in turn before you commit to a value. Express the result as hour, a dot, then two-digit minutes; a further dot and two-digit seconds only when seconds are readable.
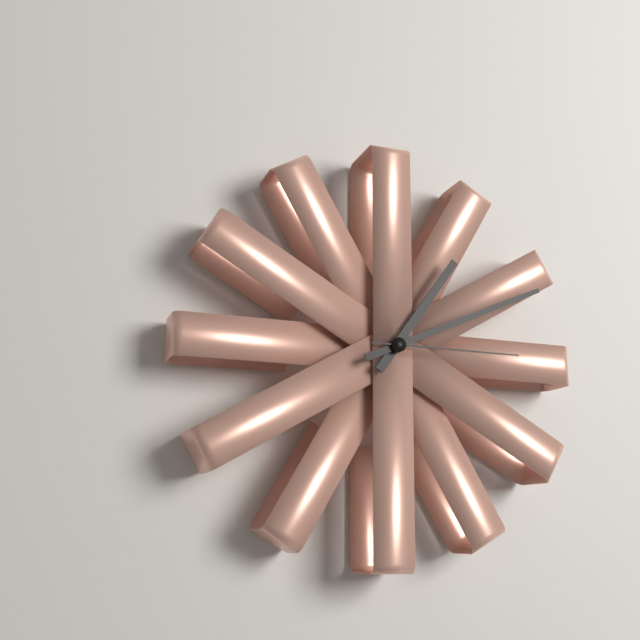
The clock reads 1.11.15
